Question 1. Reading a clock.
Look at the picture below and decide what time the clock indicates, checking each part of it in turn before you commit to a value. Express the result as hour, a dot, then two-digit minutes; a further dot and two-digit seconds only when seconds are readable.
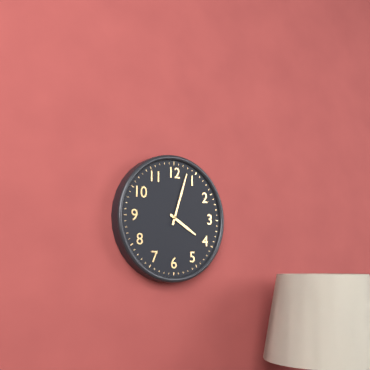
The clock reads 4.03
